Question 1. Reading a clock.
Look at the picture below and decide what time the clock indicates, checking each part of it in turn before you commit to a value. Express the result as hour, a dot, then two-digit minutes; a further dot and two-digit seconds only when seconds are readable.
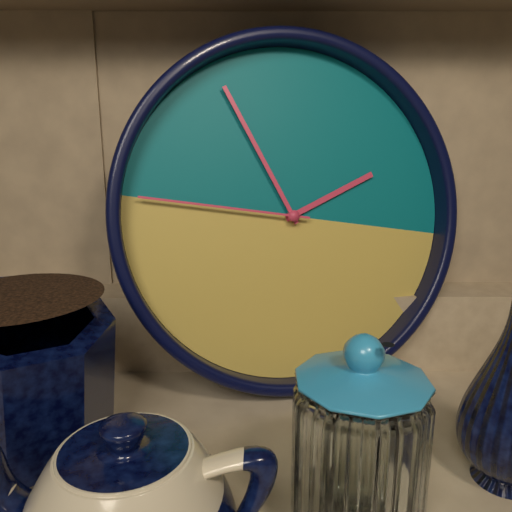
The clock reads 1.54.45
